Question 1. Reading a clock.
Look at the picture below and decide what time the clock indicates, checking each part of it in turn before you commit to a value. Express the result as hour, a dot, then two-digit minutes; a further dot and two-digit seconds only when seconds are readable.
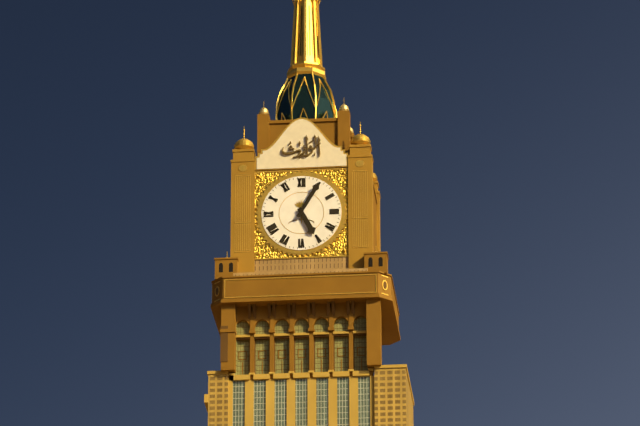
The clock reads 5.05
